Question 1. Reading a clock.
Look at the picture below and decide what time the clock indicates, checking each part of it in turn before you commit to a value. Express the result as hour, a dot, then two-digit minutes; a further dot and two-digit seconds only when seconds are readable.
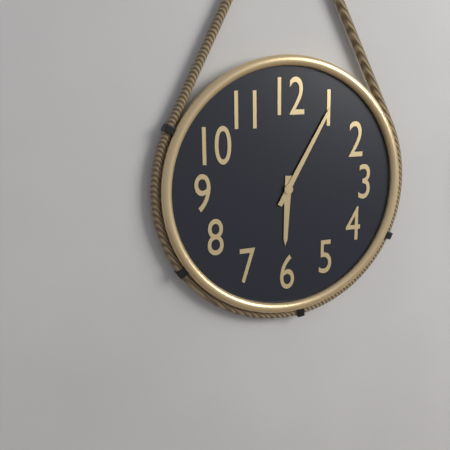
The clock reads 6.05
